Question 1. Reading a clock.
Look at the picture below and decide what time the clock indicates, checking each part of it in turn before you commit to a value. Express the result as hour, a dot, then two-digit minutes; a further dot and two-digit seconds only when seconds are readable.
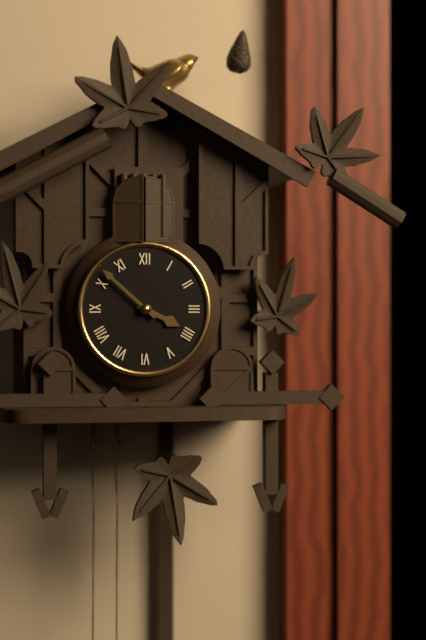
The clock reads 3.52
